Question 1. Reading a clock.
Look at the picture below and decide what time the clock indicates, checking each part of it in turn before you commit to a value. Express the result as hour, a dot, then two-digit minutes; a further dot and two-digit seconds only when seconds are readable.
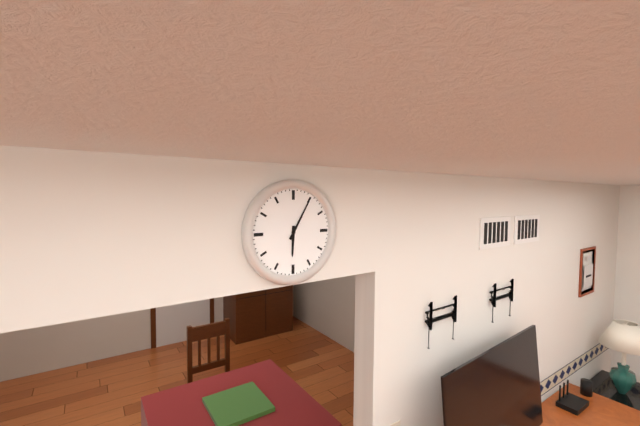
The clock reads 6.05
